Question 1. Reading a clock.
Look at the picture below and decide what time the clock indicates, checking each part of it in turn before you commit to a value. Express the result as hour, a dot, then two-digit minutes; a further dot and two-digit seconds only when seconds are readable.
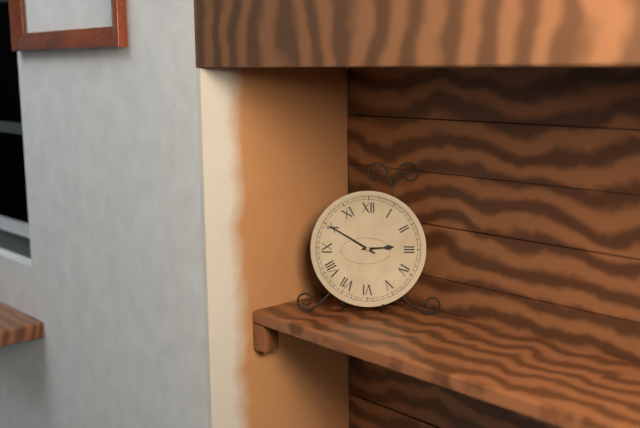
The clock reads 2.50
